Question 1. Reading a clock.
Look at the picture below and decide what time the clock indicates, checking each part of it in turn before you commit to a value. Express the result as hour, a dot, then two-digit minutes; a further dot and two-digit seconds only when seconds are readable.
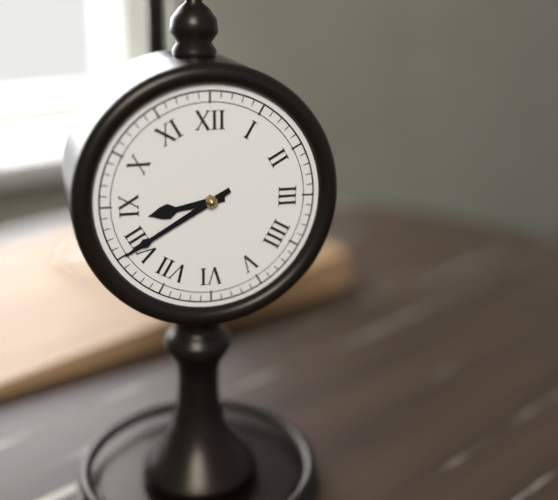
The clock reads 8.40
